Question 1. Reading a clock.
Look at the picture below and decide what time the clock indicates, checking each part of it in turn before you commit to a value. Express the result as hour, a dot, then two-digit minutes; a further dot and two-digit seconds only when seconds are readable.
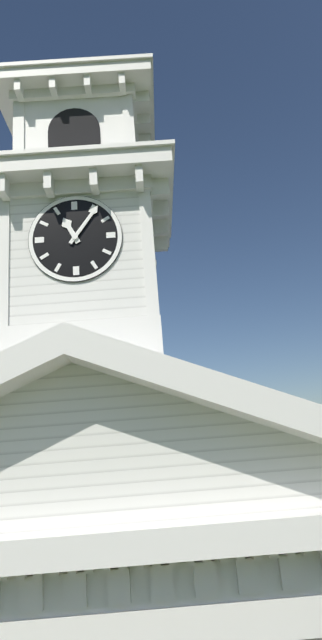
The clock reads 11.06
